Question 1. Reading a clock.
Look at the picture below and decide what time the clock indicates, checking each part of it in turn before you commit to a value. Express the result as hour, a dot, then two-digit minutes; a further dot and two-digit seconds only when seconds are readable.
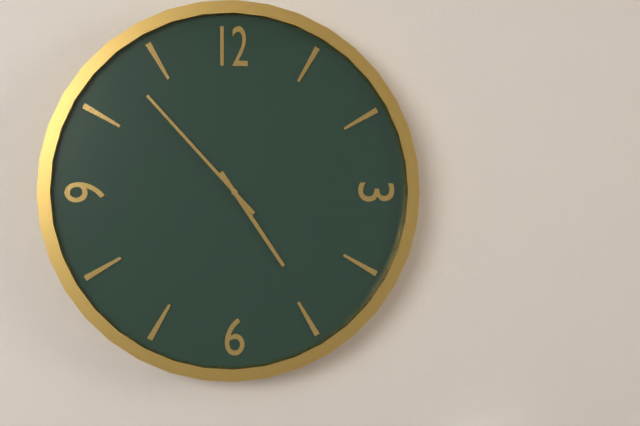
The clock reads 4.53
